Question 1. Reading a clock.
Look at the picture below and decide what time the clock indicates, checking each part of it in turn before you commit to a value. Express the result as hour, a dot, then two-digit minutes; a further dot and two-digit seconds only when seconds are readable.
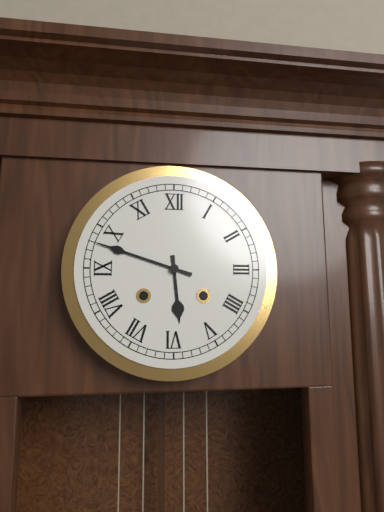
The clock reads 5.48
